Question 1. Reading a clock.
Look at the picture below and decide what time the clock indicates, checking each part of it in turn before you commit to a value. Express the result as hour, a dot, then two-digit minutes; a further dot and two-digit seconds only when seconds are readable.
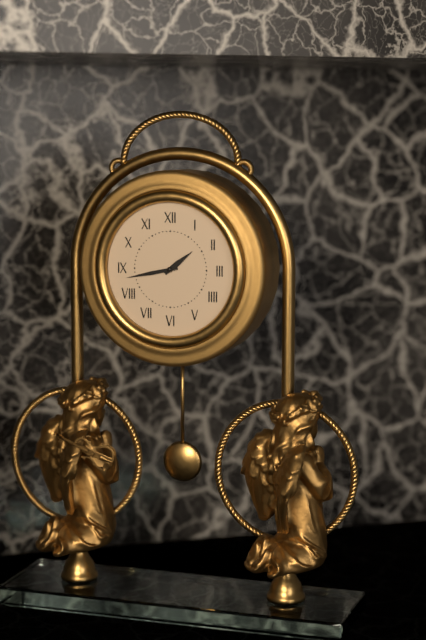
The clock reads 1.43
